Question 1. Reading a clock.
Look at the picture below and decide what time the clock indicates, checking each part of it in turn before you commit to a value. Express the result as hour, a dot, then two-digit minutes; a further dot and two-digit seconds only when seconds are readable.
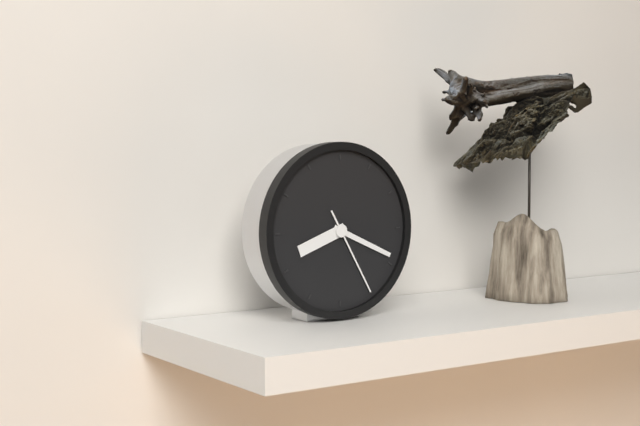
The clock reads 8.19.25
